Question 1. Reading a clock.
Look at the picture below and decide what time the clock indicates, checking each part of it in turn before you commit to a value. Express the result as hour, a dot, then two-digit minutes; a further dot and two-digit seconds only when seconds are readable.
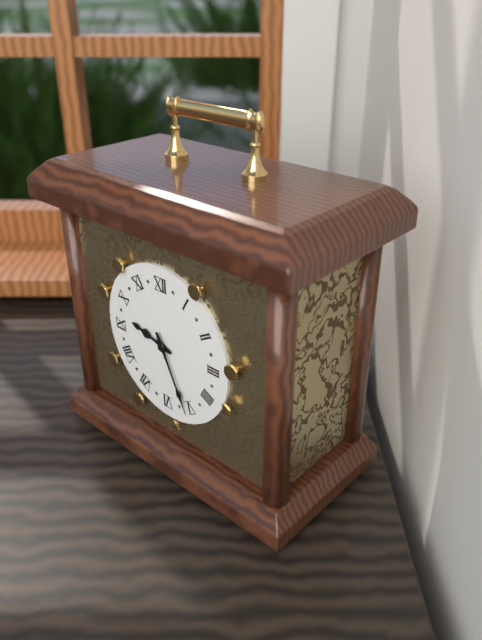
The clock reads 9.26
